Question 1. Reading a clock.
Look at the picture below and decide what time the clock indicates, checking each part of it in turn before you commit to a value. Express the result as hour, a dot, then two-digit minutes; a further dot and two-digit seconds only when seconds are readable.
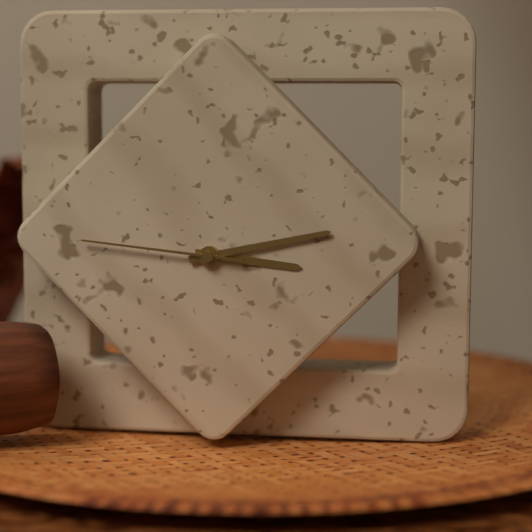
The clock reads 3.13.46
